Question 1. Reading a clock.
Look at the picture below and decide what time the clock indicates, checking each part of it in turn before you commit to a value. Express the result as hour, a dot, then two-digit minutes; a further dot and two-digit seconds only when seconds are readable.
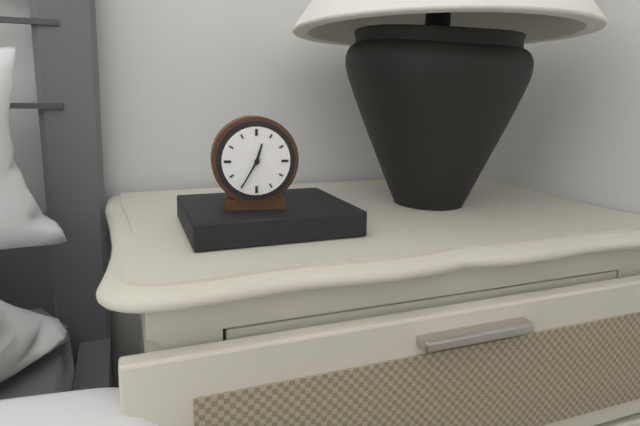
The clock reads 12.35
